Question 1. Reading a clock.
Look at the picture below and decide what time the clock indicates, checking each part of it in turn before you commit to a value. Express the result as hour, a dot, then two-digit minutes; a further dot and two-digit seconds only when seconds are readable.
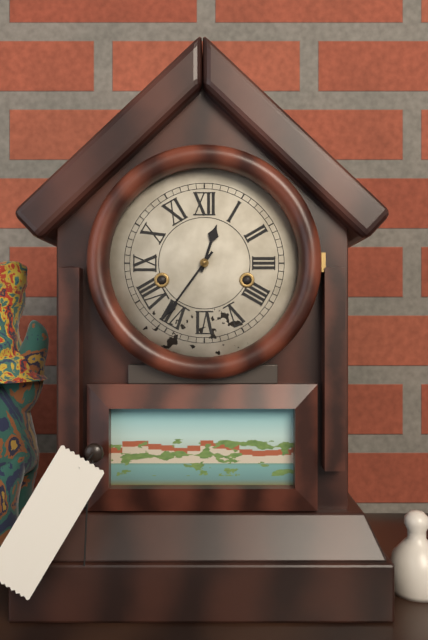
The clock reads 12.36
